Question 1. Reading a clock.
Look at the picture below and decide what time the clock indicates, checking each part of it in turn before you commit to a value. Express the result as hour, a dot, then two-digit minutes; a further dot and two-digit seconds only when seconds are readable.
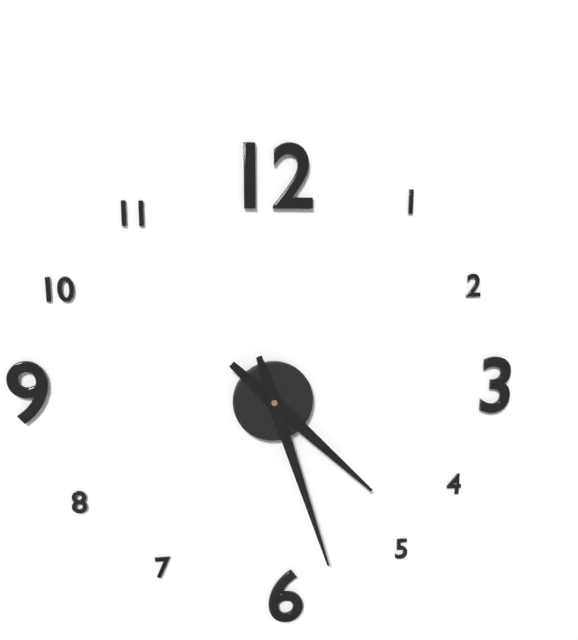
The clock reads 4.27
